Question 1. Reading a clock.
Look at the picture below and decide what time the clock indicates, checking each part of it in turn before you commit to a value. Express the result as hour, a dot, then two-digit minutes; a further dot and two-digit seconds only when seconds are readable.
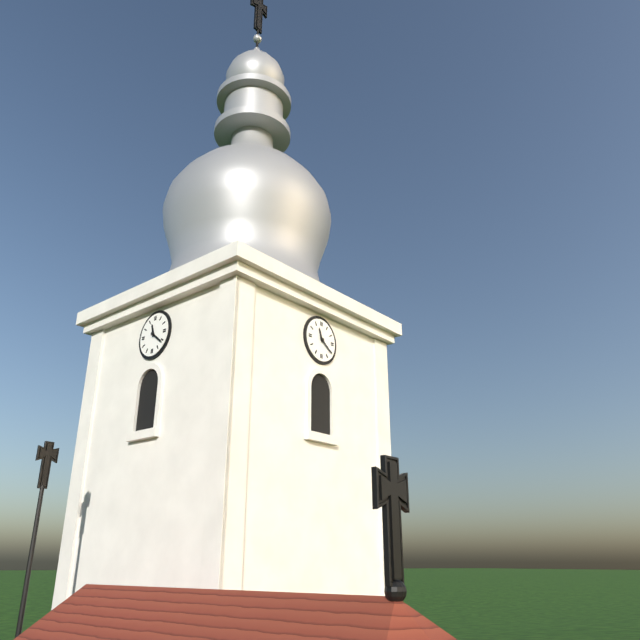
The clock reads 11.21
